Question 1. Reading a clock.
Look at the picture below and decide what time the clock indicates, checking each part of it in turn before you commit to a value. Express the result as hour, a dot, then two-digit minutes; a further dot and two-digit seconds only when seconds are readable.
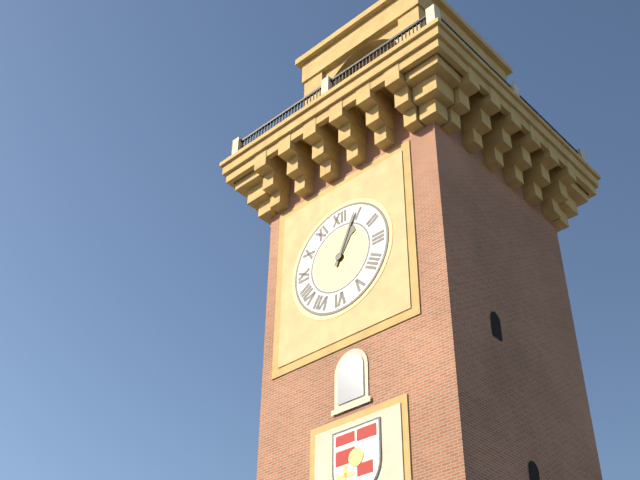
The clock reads 1.04
